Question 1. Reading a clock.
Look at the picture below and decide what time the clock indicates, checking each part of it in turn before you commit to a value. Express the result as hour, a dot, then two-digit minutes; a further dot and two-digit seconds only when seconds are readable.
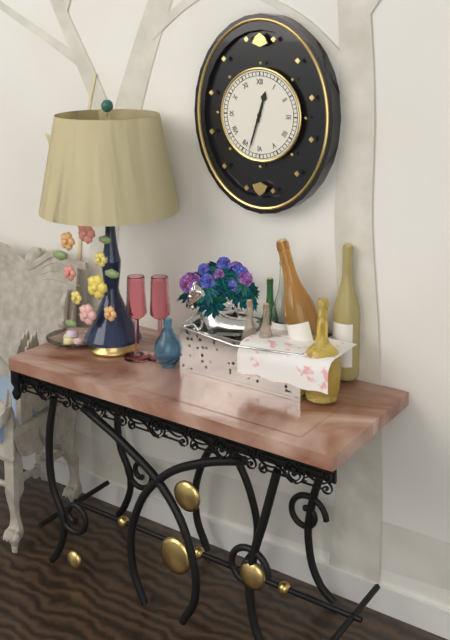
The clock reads 12.33
